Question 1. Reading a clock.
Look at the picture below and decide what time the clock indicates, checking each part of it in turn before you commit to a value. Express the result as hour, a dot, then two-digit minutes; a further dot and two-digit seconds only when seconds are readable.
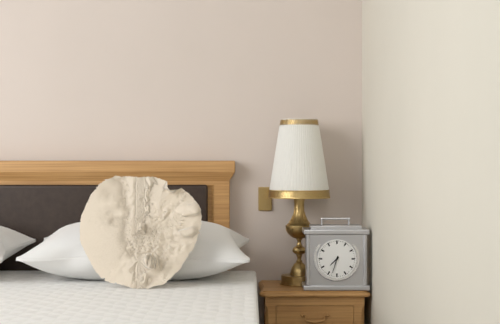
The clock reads 7.33
